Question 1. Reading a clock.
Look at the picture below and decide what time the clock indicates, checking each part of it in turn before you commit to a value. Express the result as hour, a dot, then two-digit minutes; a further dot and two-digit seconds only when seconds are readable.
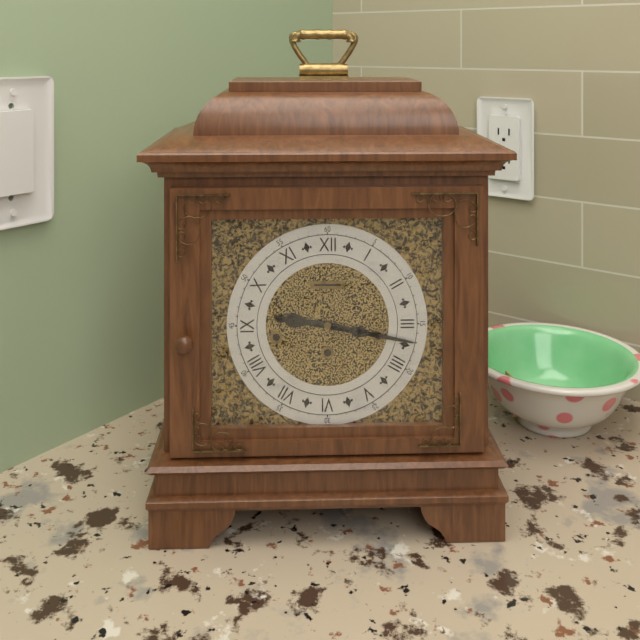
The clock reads 9.17
